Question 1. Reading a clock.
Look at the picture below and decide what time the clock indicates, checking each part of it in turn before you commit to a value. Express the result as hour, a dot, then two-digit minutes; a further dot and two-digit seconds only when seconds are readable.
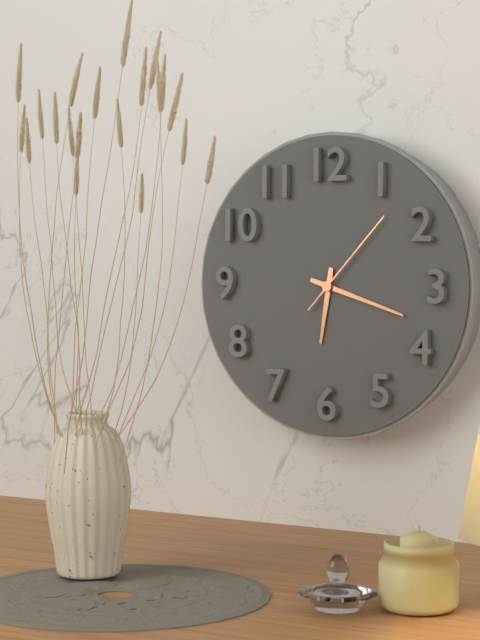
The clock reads 6.18.07
